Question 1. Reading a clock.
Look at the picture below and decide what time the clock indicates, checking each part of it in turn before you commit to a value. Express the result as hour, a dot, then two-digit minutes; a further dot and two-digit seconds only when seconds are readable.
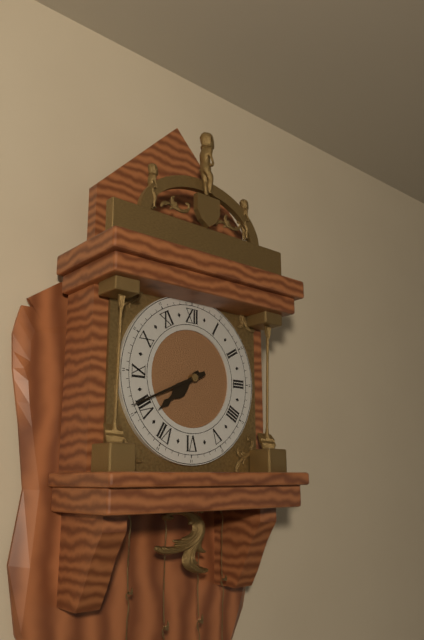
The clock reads 7.41
